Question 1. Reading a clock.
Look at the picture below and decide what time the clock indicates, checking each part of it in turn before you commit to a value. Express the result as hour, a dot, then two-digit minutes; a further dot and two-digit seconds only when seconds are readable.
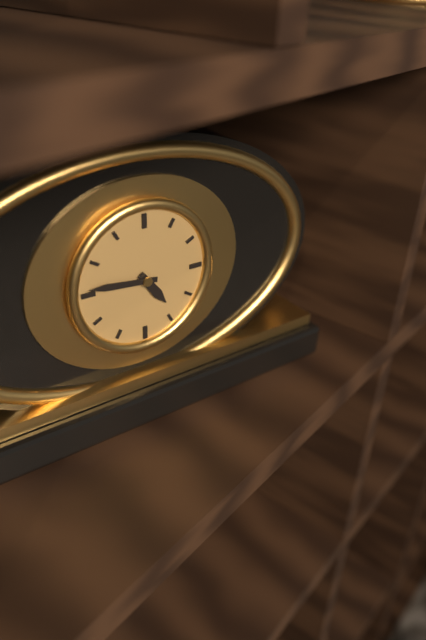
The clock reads 4.46
